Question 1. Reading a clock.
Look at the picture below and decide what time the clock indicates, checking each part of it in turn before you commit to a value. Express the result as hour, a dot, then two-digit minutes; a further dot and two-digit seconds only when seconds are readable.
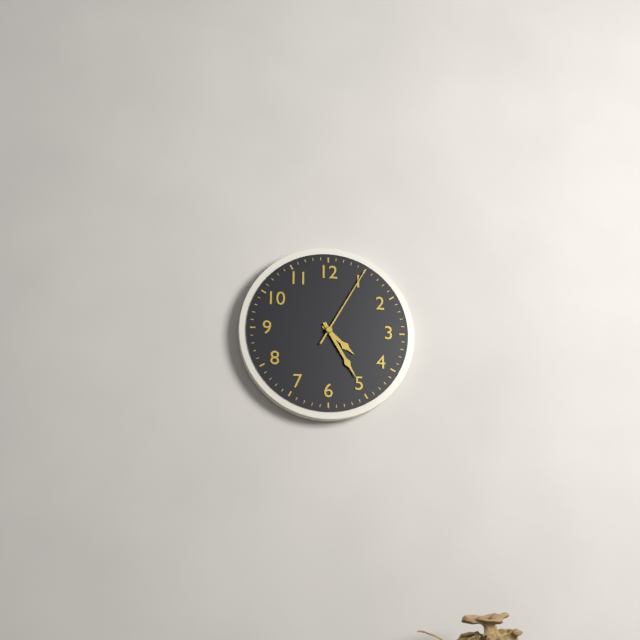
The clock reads 4.25.05
